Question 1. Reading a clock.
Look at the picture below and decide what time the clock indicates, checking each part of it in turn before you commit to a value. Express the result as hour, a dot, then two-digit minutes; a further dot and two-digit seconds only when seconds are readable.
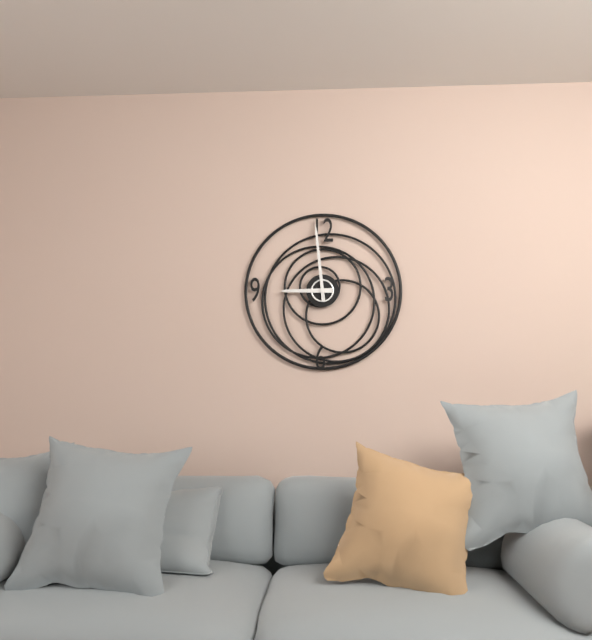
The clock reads 8.59
